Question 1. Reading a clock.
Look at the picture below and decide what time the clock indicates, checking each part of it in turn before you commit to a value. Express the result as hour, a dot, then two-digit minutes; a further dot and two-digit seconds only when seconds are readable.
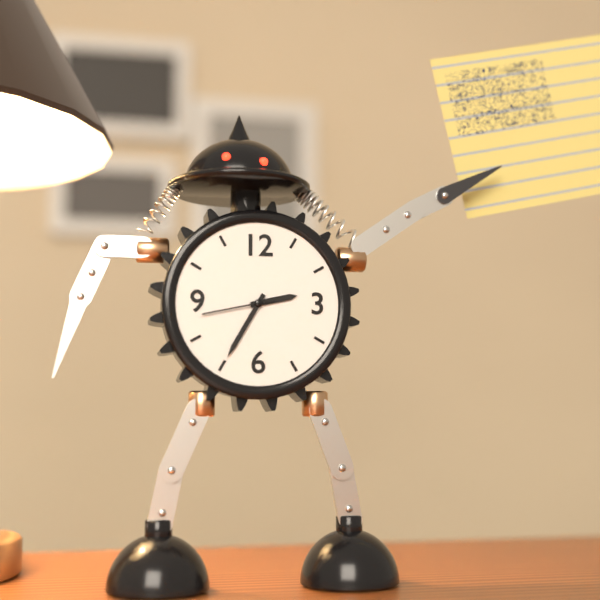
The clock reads 2.35.43
